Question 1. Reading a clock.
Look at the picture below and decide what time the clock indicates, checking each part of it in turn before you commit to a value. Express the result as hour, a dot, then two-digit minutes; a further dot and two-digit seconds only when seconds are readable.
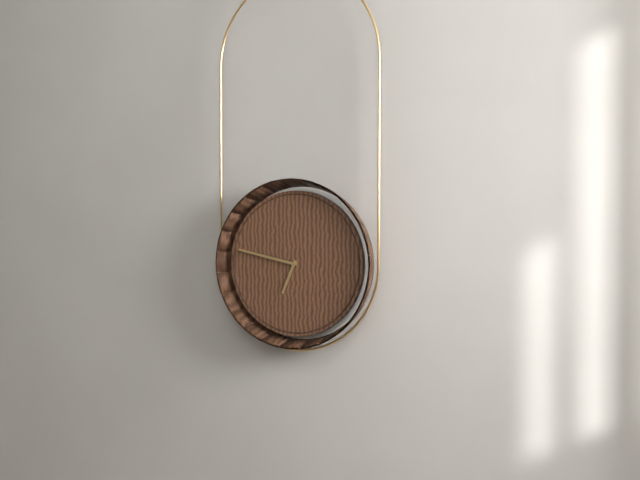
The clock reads 6.47
